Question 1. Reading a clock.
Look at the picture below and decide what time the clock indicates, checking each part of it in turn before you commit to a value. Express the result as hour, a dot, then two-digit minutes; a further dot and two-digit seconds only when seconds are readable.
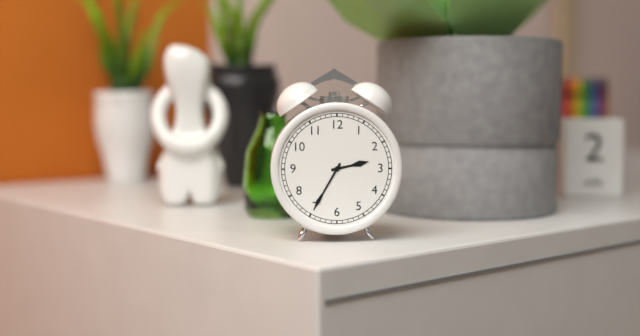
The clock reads 2.35
